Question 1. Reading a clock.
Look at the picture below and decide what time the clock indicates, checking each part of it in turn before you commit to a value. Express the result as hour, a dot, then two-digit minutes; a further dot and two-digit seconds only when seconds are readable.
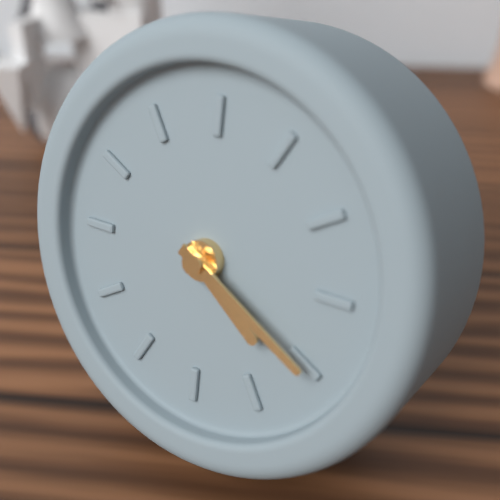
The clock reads 4.20
